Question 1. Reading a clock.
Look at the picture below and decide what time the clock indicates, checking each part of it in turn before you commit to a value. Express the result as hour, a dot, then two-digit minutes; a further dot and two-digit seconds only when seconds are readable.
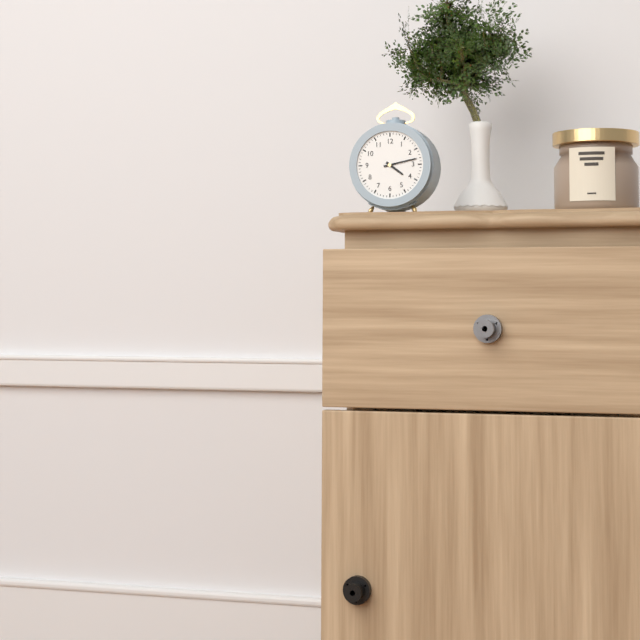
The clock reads 4.13
